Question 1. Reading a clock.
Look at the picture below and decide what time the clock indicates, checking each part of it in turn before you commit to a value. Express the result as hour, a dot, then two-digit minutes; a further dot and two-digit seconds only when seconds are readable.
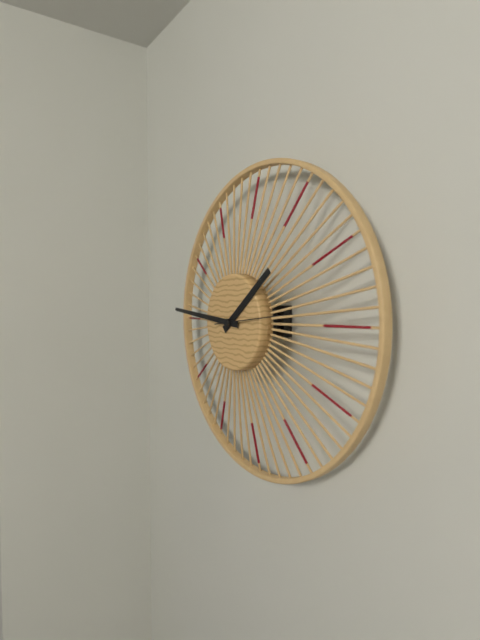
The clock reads 1.46
